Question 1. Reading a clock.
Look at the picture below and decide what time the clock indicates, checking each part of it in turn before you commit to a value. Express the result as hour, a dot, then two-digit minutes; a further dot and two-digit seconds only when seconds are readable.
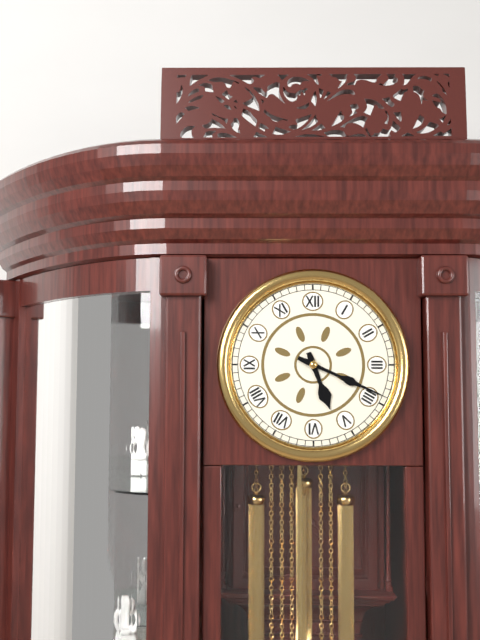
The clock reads 5.19
